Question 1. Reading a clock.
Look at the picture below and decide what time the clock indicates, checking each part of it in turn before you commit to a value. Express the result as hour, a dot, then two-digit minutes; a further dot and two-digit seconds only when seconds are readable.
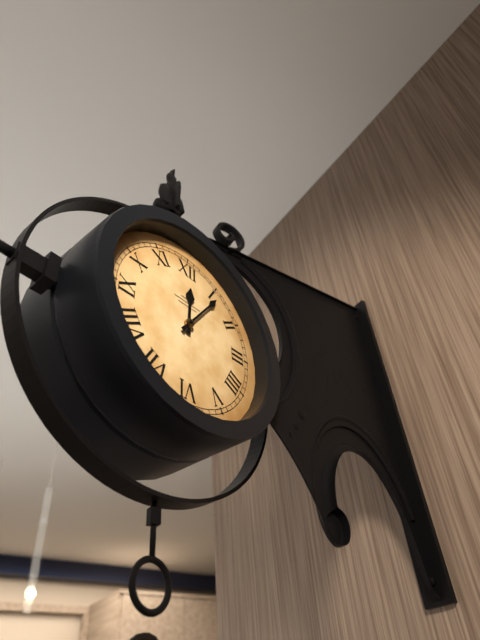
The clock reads 12.06
